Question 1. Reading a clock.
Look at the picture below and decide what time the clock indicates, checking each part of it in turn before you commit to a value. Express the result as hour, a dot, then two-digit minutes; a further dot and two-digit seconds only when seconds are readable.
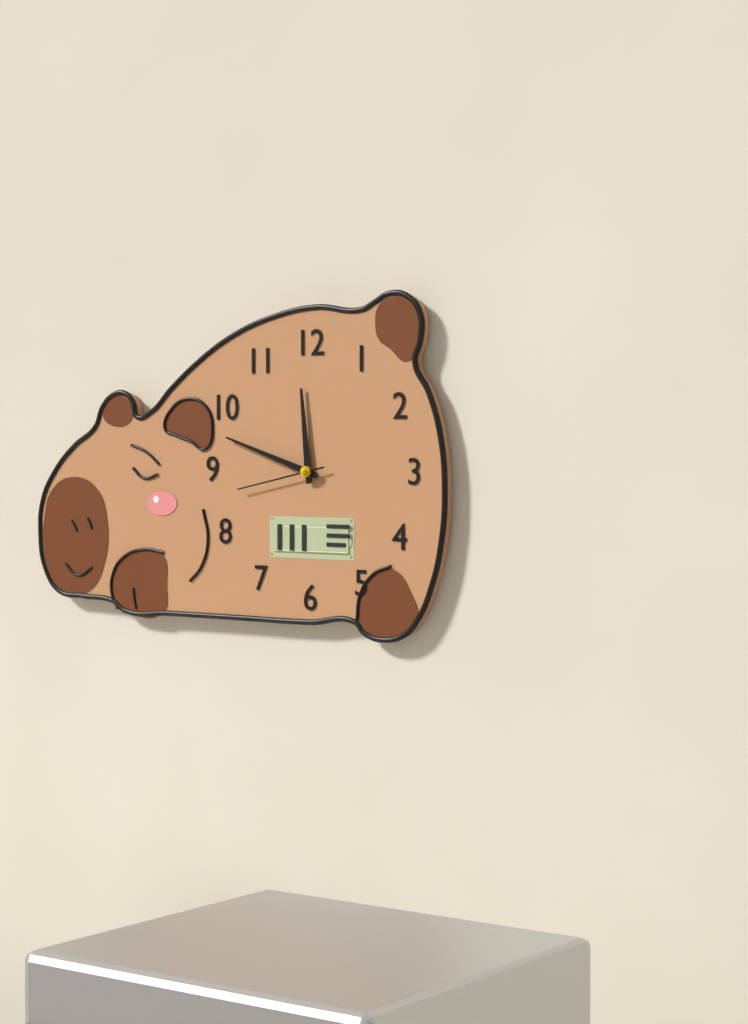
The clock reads 11.48.43
